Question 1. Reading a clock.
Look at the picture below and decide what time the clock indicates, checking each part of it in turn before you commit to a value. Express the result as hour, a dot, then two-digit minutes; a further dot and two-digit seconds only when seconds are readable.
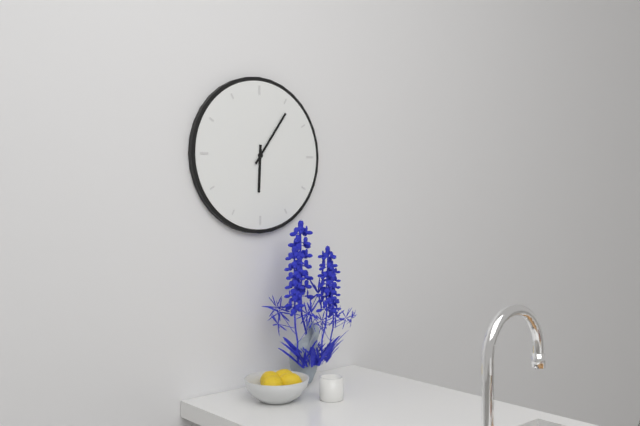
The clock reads 6.06
